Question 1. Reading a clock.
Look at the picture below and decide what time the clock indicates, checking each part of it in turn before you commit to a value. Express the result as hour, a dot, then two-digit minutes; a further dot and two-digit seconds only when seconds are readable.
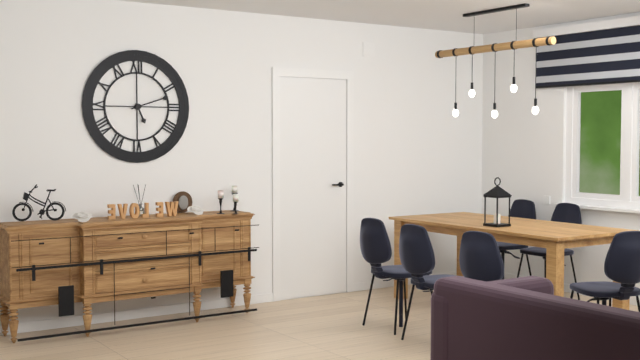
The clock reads 5.12
